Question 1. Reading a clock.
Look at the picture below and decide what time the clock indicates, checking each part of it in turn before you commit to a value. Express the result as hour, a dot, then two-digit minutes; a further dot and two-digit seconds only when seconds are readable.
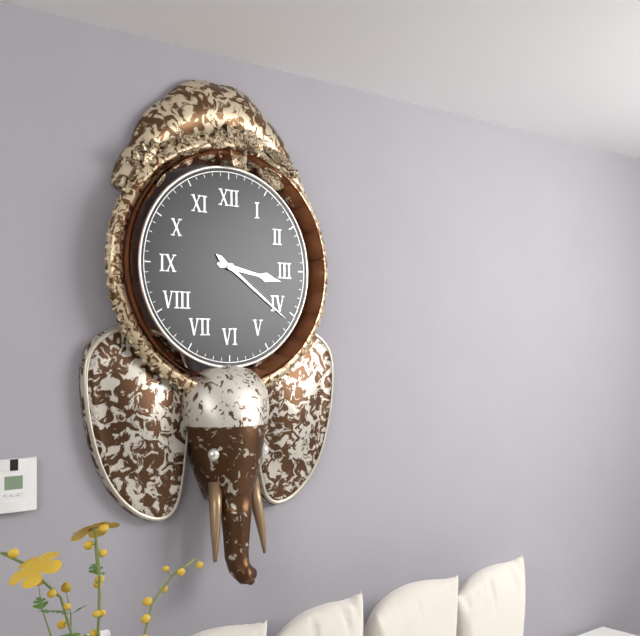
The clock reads 3.21
